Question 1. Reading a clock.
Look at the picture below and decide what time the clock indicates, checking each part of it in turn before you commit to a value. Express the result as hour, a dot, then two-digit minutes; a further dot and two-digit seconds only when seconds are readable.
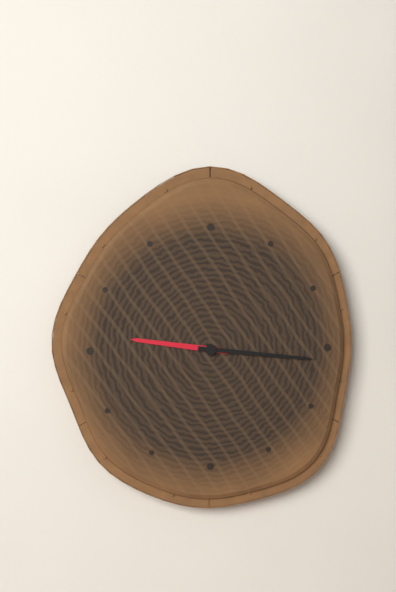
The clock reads 9.16
